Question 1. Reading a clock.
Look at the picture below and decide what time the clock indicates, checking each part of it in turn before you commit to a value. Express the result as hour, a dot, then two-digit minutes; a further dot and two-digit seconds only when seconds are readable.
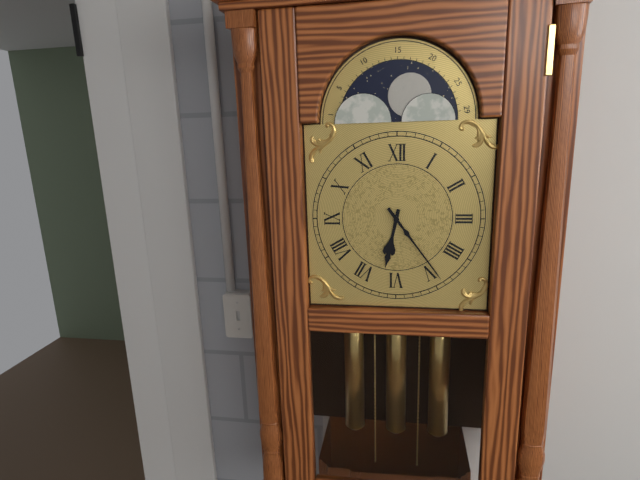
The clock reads 6.24
